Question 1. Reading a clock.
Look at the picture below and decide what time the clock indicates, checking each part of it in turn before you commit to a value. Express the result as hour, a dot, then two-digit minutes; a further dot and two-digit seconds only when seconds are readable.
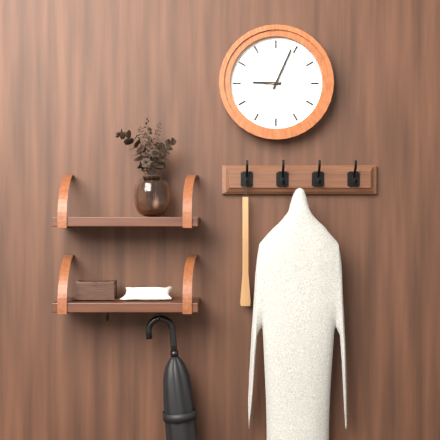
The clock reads 9.04.13
